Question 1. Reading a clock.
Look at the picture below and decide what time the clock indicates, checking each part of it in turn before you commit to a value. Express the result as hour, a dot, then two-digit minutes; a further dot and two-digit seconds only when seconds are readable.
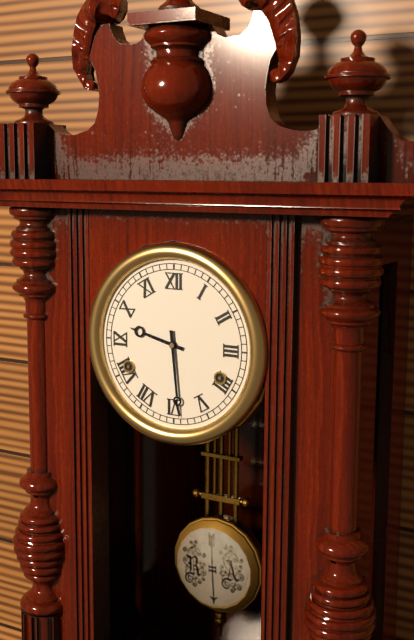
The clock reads 9.29
